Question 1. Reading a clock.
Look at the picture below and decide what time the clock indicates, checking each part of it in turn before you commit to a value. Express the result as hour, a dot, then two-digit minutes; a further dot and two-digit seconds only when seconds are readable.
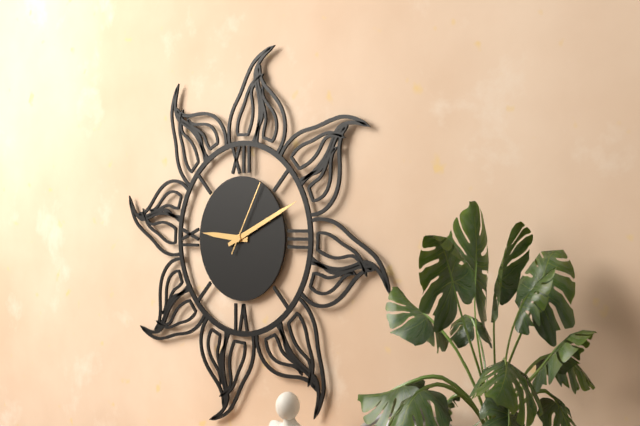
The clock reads 9.11.05
